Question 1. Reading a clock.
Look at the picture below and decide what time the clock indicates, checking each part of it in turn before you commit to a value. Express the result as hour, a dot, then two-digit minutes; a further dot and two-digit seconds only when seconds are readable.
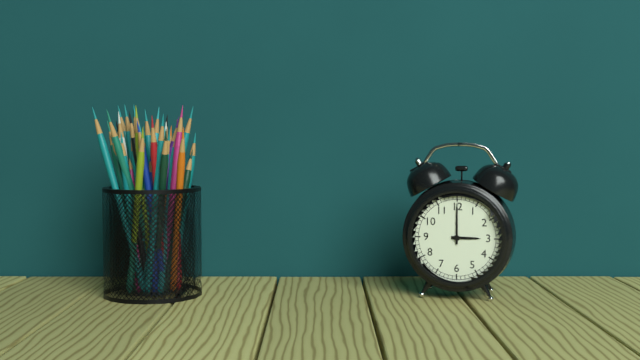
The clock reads 3.00
